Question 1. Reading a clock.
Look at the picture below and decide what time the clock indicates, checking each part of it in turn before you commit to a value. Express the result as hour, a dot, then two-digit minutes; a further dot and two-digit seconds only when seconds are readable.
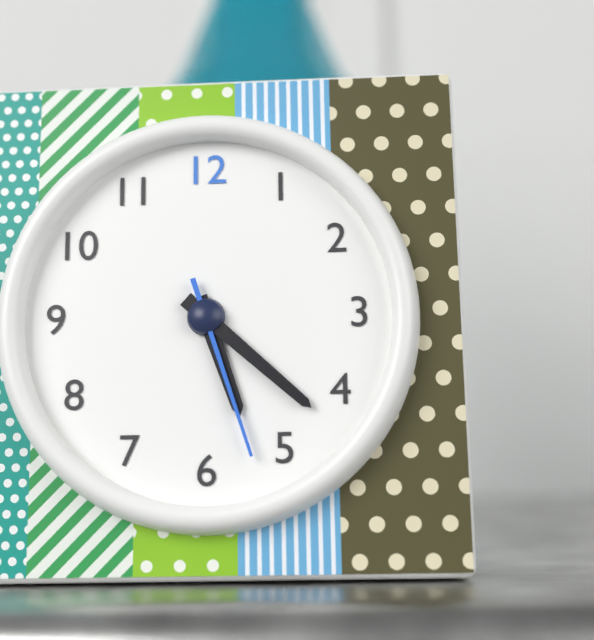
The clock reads 5.22.27
